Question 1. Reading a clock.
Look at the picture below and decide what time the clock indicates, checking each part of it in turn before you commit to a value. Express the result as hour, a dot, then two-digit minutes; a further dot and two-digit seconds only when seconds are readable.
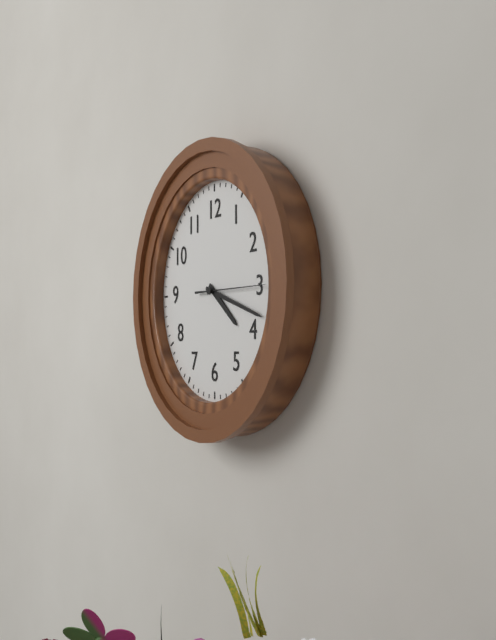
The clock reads 4.18.15
